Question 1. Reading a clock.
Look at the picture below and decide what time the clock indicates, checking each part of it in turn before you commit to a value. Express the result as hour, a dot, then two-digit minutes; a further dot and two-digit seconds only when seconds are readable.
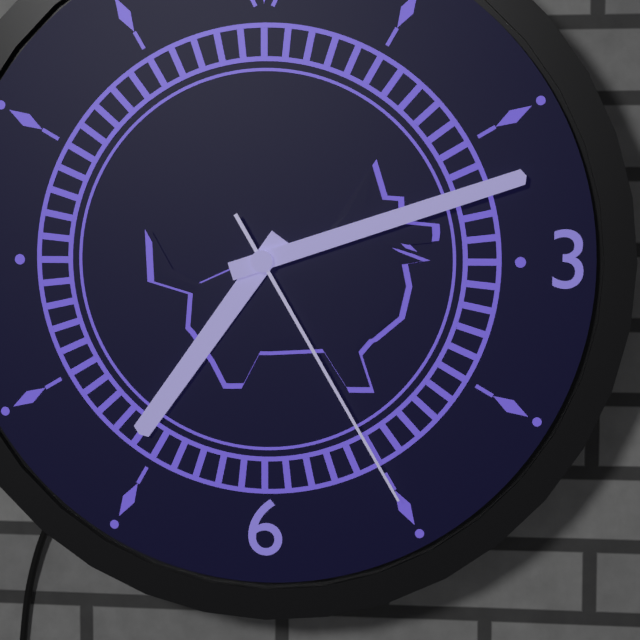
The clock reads 7.12.25
